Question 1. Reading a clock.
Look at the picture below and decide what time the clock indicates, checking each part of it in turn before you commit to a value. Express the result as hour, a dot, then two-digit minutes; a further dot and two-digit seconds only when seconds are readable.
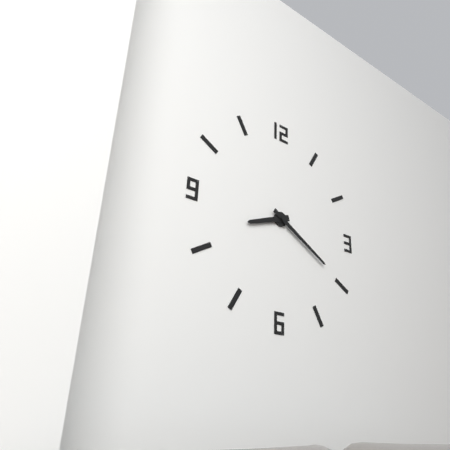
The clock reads 8.20
